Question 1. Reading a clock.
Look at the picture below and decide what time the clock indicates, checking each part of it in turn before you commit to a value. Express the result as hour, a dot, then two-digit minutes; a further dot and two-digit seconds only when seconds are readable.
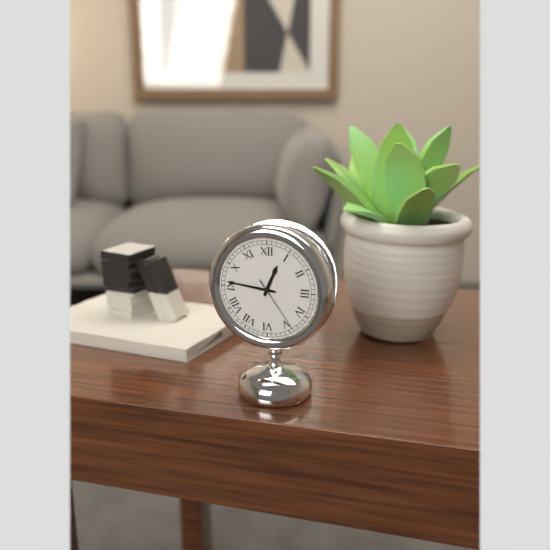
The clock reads 12.46.24
